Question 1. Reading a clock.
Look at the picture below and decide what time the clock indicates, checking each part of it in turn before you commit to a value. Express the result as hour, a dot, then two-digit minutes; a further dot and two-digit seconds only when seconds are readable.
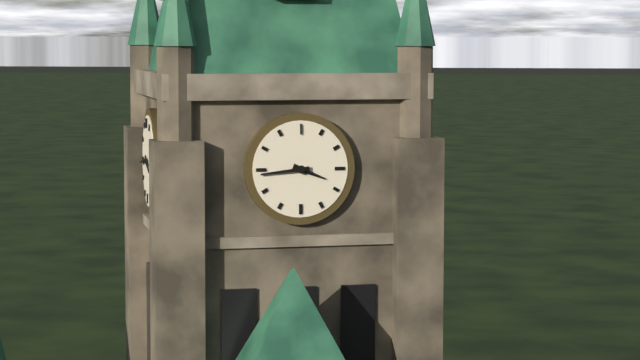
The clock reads 3.44
